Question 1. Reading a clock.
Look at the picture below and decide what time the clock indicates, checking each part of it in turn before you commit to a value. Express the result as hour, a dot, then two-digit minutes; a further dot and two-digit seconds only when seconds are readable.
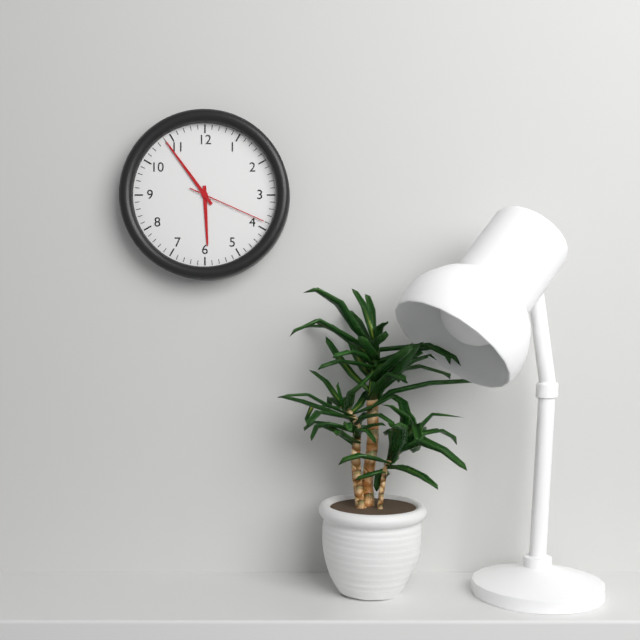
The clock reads 5.54.19
